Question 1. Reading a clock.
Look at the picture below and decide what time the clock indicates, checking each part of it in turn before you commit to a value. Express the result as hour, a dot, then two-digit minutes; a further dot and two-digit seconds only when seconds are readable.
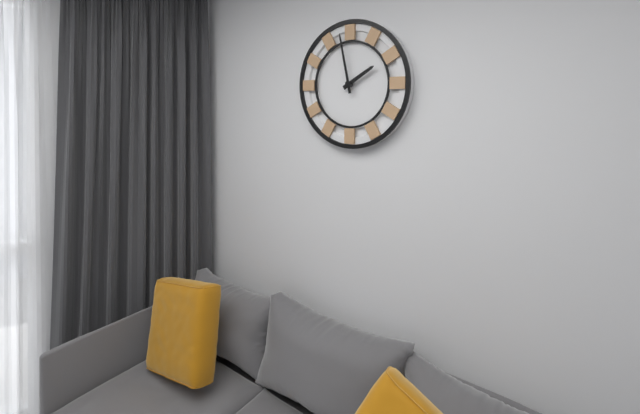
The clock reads 1.58
